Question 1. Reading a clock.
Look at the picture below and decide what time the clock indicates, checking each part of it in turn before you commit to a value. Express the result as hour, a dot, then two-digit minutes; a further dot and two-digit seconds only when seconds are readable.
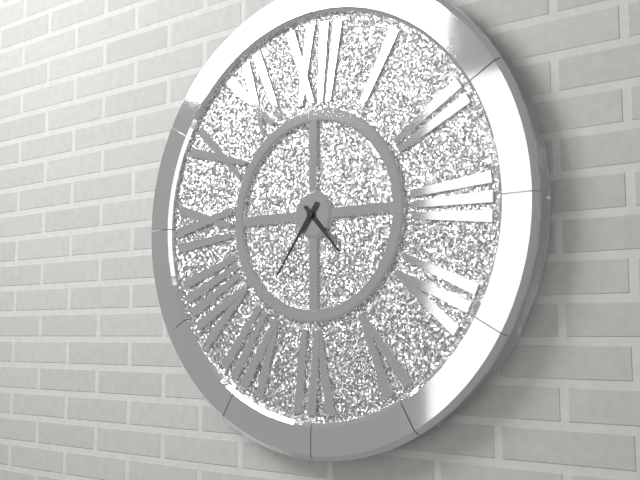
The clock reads 4.36
